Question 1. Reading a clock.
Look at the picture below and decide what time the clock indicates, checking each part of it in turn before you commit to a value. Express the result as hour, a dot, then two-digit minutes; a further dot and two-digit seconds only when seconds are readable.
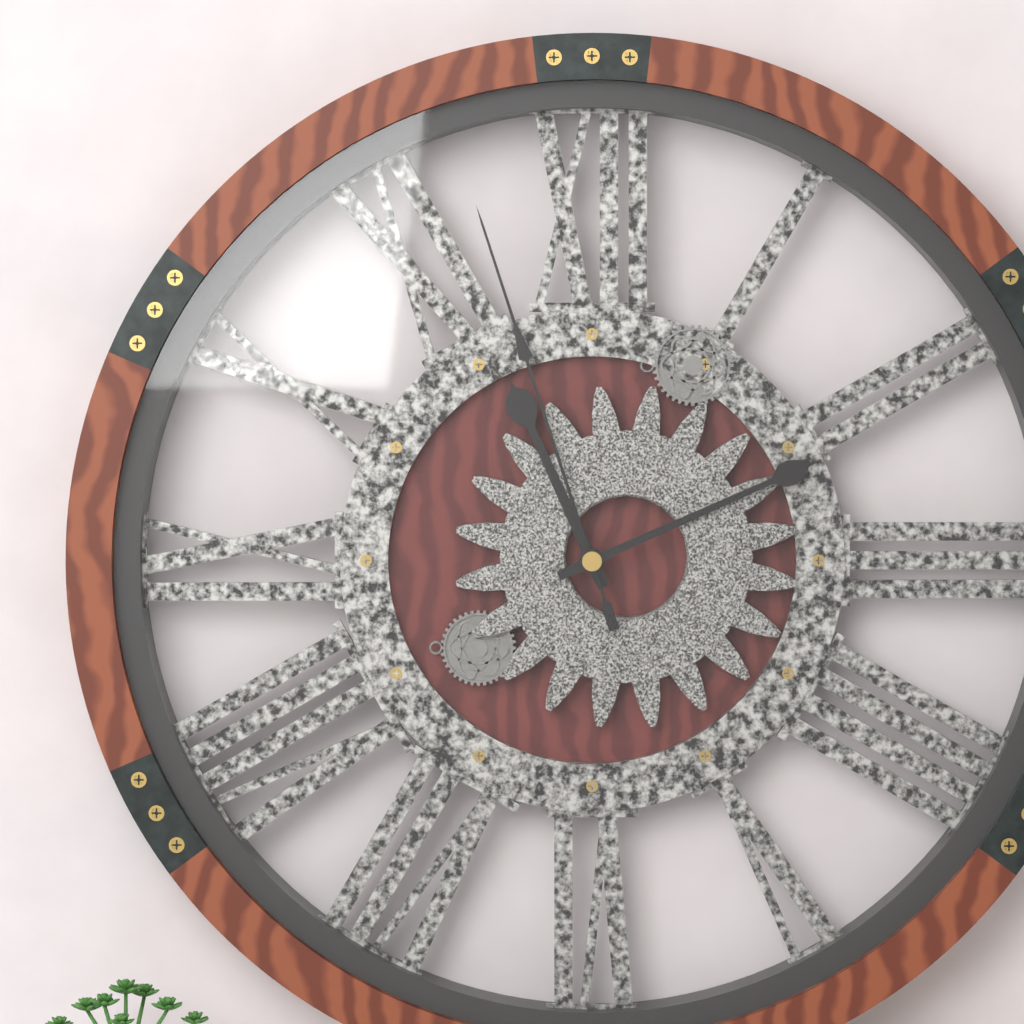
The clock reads 11.11.57
